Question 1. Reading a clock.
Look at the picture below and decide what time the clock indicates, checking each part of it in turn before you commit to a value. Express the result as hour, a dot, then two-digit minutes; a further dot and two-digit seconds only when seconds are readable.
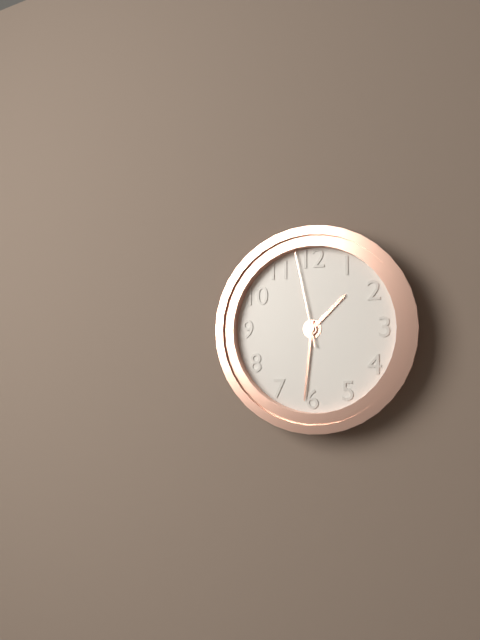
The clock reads 1.31.58
